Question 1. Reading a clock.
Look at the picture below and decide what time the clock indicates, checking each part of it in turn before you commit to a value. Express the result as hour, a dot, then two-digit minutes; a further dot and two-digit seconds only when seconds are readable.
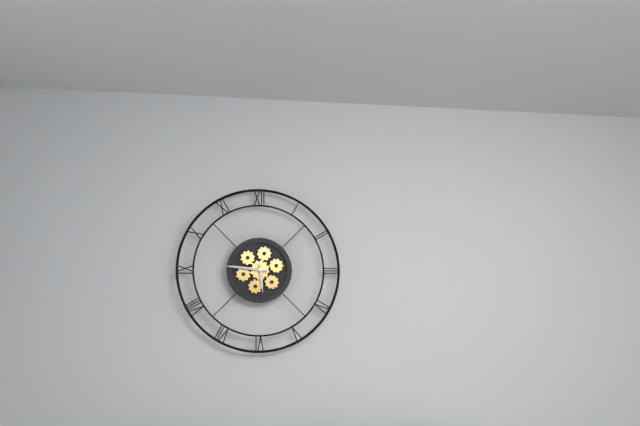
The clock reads 5.46
